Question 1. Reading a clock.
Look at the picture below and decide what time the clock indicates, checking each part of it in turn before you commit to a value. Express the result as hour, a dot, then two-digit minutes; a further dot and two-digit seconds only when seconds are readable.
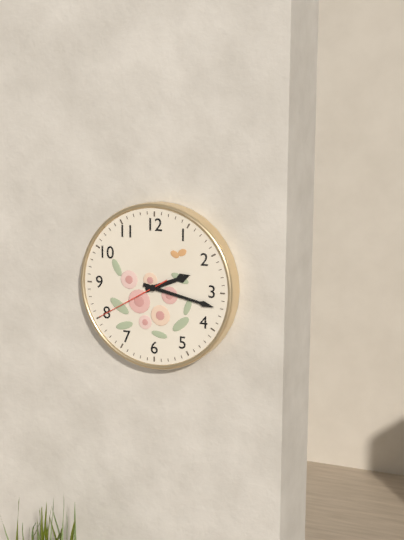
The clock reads 2.17.40
